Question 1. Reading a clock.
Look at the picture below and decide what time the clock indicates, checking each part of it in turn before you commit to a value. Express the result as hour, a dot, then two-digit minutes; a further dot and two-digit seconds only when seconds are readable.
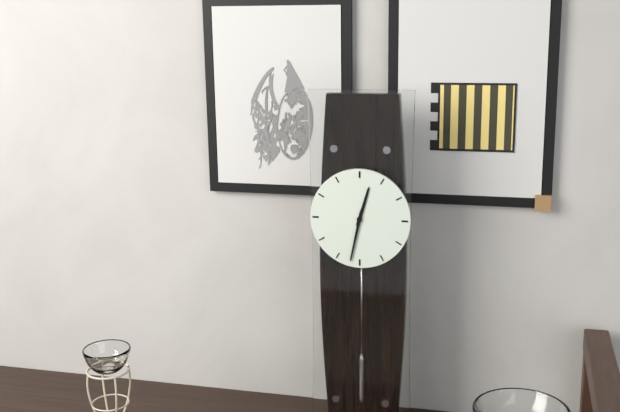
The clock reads 12.32
